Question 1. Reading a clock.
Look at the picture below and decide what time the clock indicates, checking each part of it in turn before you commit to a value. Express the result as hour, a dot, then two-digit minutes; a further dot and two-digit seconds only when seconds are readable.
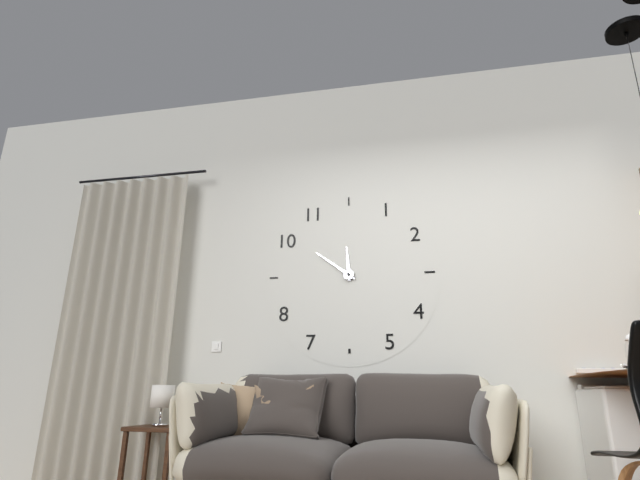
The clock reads 11.51
